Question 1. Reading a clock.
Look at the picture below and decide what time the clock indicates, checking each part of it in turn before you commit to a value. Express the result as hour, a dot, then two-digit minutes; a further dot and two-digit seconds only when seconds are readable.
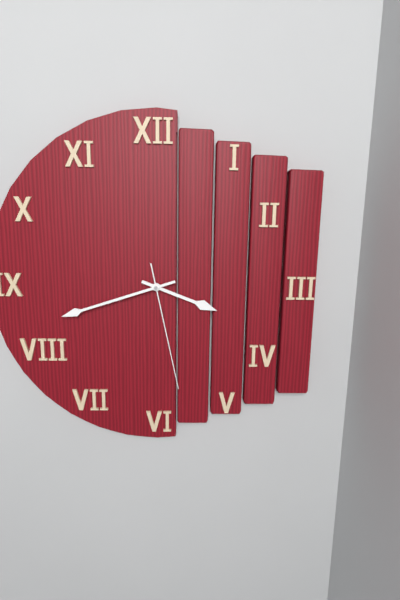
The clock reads 3.42.28
